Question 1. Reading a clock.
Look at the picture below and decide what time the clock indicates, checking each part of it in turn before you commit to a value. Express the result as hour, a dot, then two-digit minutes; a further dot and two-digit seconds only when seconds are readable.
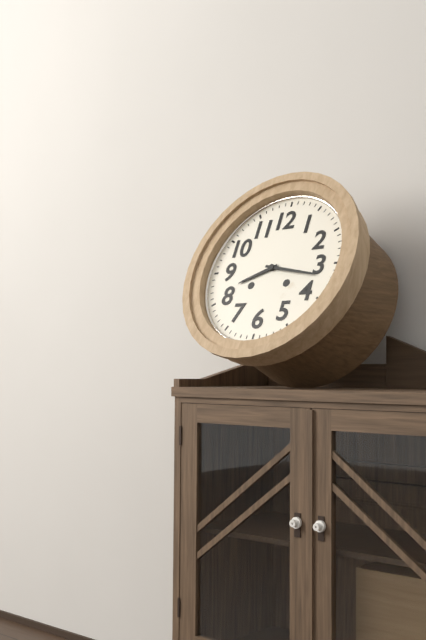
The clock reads 8.17
